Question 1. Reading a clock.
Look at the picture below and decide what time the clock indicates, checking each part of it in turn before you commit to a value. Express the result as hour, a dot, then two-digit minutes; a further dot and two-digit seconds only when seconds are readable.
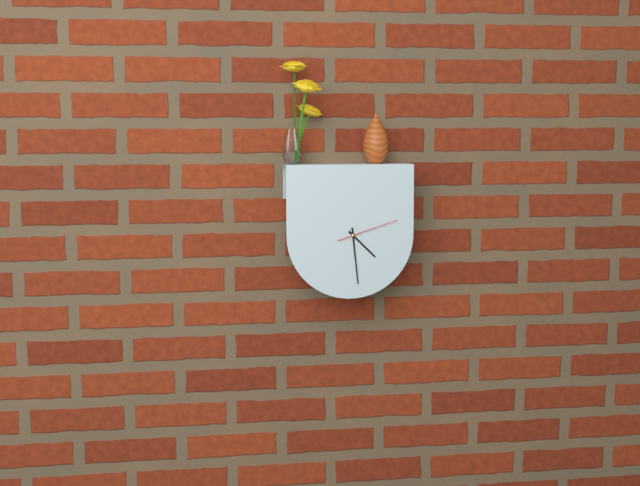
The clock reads 4.29.12
